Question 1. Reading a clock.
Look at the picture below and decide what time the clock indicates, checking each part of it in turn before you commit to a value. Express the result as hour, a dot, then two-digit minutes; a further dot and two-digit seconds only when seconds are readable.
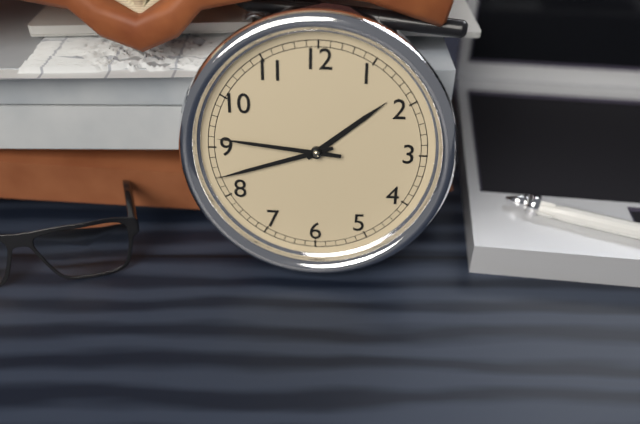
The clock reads 1.42.46
